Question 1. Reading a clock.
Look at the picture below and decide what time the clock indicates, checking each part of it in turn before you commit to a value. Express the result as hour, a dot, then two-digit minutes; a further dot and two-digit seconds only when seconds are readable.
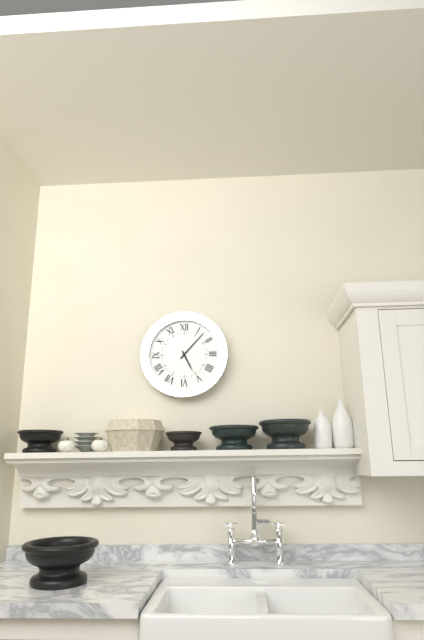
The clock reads 5.07
